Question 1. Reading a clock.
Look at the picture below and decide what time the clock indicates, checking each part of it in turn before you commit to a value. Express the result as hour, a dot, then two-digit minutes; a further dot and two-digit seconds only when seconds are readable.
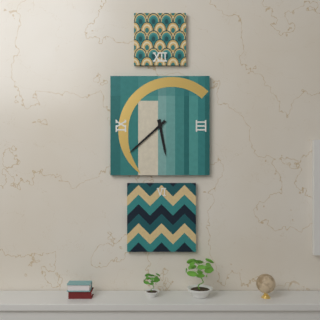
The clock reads 5.38
